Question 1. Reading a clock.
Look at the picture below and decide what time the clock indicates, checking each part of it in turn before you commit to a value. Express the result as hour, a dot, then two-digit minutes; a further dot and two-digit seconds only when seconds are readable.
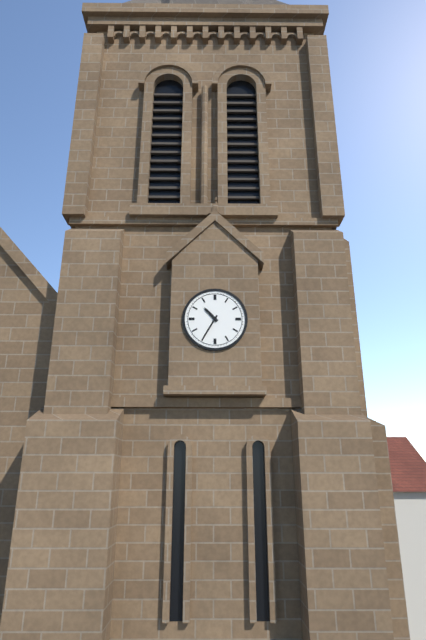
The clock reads 10.35
